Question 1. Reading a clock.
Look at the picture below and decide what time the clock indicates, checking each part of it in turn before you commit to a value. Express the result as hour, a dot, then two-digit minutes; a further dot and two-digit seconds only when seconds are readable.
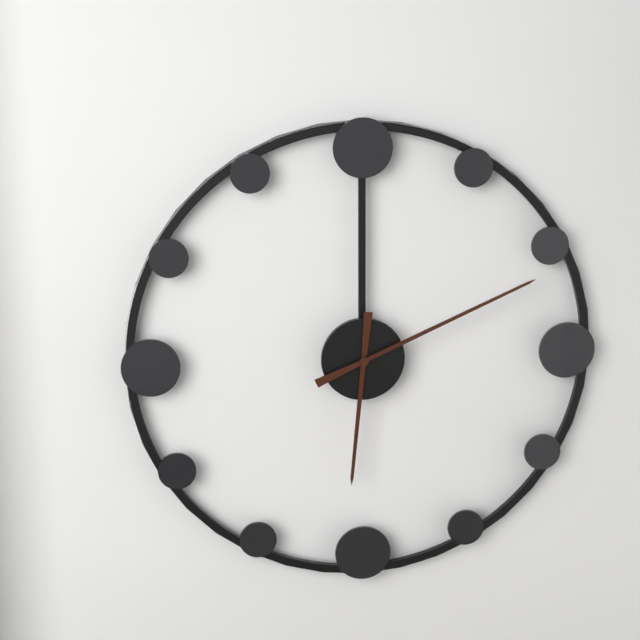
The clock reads 6.11
